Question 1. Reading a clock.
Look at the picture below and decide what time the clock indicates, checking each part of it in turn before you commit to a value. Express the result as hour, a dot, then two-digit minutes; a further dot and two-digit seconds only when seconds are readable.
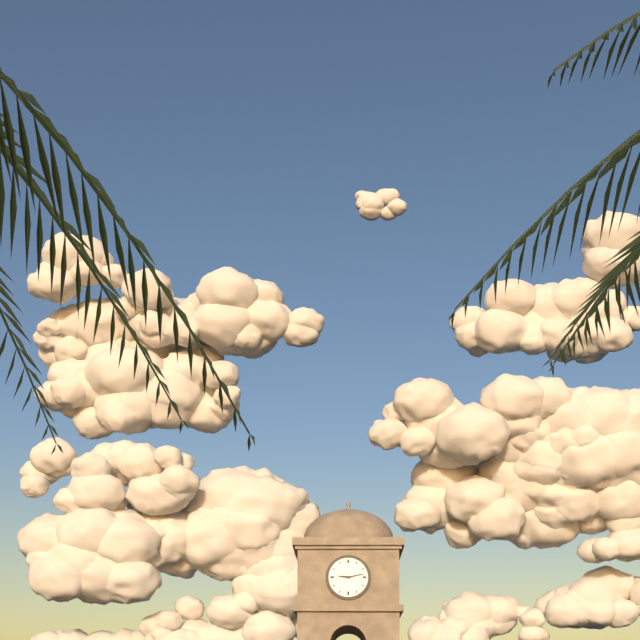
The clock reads 9.13
